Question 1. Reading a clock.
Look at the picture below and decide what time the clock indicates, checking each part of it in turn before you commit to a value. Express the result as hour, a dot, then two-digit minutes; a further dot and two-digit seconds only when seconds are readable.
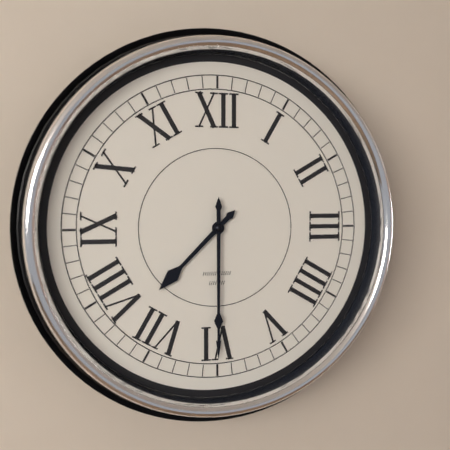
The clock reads 7.30
